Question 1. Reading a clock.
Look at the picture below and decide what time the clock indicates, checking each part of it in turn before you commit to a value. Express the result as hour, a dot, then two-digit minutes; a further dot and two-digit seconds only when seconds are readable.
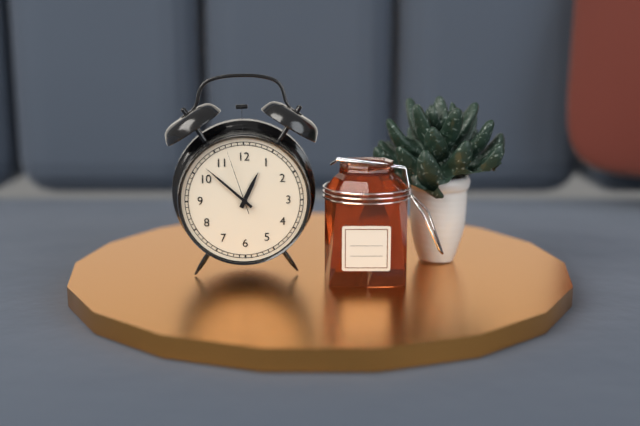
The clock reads 12.52.57
